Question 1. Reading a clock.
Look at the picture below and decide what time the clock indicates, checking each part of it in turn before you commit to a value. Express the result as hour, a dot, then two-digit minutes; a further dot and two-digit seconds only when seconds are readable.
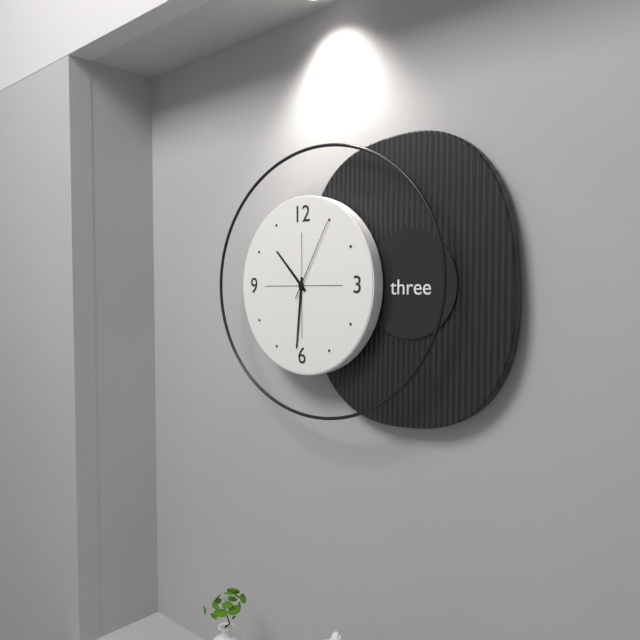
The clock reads 10.31.05
